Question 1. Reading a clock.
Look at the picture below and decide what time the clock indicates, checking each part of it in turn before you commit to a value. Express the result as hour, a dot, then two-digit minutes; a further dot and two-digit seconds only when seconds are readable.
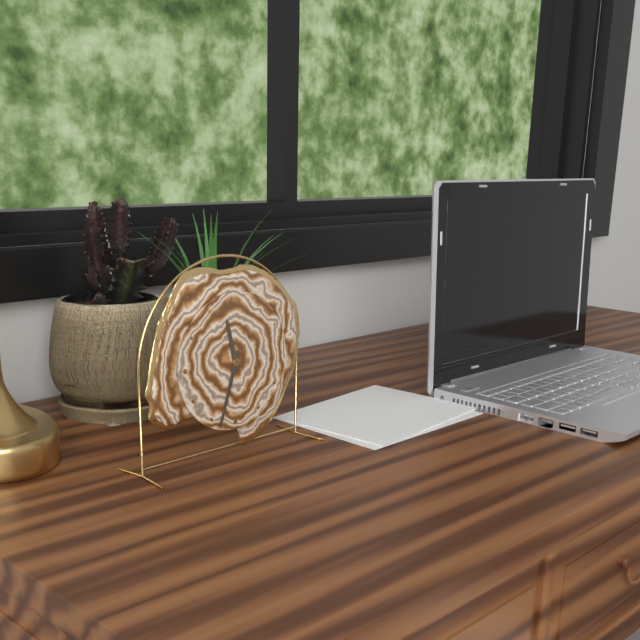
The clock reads 11.33
